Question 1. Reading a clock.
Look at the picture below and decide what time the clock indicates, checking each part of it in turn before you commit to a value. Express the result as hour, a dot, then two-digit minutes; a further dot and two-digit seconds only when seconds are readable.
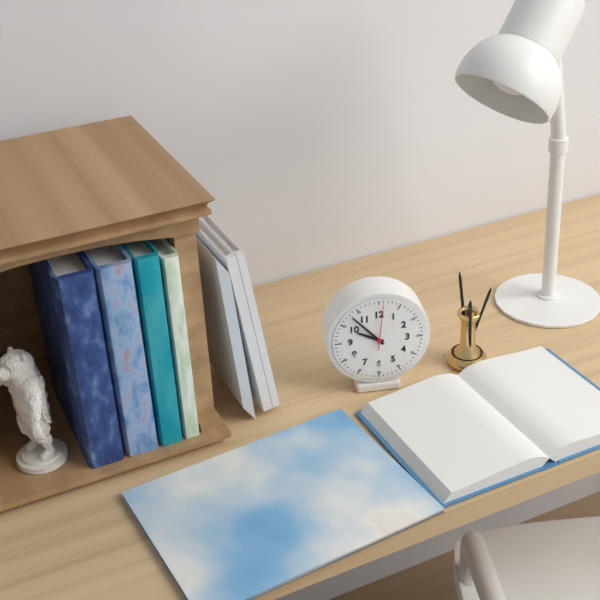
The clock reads 9.53
